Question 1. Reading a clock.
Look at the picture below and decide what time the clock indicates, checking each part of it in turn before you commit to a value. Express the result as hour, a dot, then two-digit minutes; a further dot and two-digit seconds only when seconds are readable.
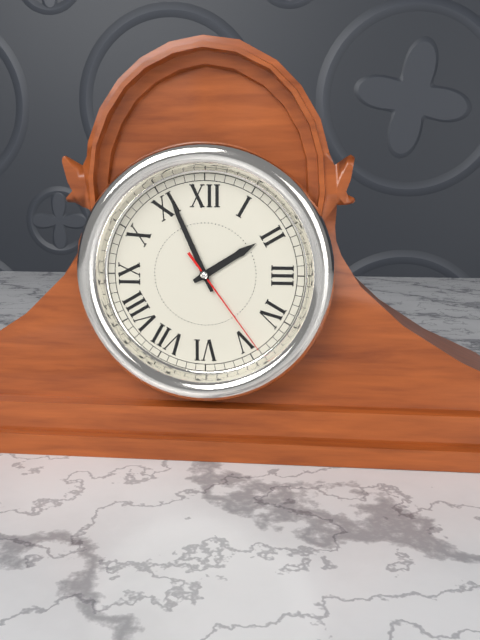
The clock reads 1.56.24
